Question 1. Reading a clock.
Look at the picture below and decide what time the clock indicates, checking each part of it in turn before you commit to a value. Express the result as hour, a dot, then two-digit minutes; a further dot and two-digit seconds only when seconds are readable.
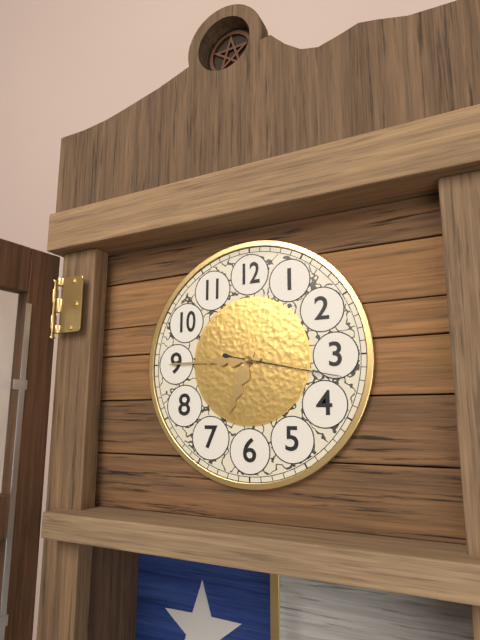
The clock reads 6.45.17
